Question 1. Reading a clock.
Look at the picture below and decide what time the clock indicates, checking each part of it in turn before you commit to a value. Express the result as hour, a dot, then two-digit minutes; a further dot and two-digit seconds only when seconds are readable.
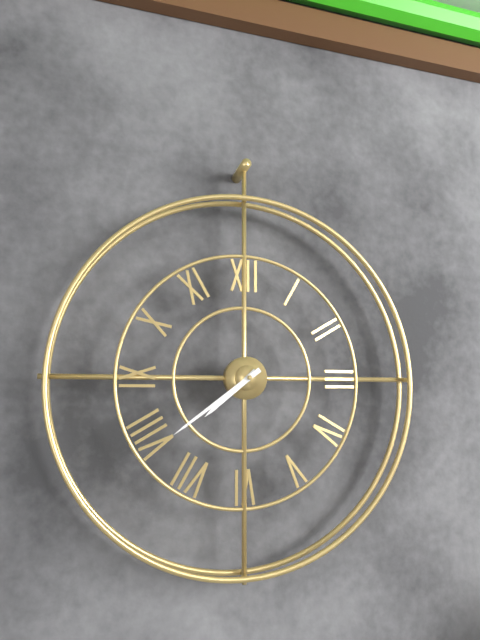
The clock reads 7.39
